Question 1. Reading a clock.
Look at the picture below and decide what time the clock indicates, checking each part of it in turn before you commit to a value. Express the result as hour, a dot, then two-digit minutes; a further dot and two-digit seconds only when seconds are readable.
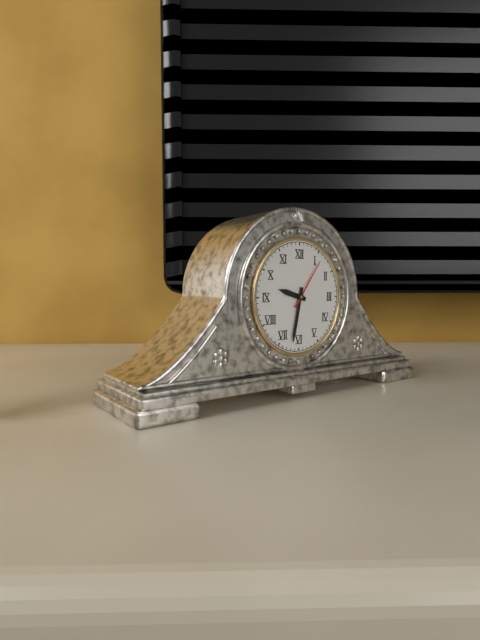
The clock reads 9.32.06
